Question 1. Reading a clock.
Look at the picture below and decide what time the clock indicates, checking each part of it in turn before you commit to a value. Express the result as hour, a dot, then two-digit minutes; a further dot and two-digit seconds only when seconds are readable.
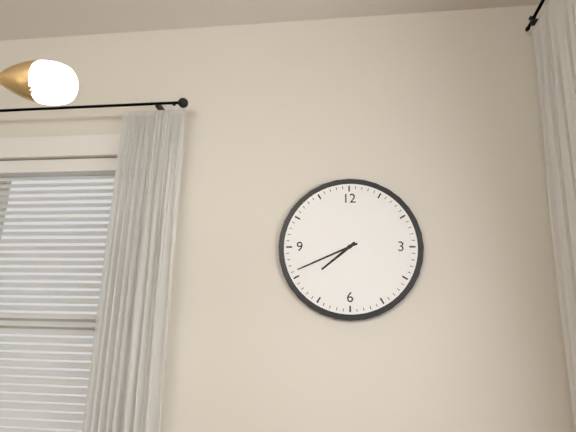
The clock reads 7.41
